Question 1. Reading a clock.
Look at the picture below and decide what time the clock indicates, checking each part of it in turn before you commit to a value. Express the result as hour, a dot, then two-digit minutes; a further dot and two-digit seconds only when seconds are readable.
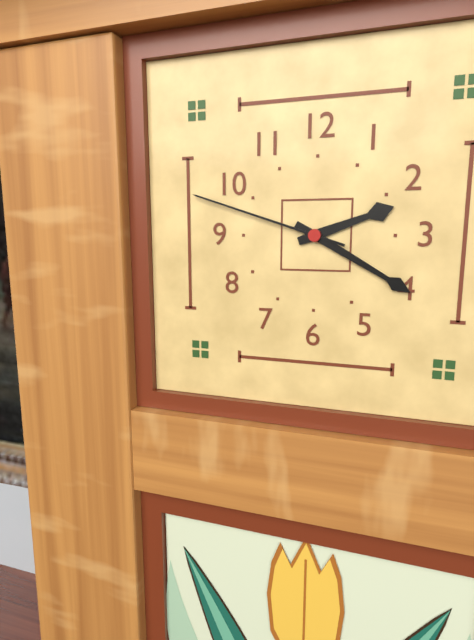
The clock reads 2.20.48
